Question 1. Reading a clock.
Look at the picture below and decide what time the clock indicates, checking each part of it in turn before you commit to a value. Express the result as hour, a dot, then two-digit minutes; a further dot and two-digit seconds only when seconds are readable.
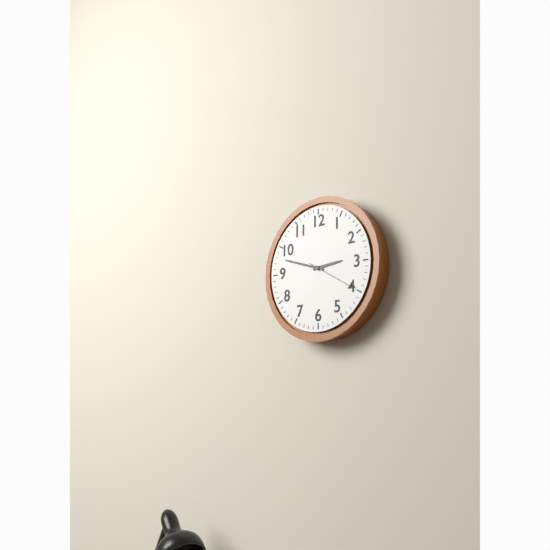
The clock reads 2.48.20
